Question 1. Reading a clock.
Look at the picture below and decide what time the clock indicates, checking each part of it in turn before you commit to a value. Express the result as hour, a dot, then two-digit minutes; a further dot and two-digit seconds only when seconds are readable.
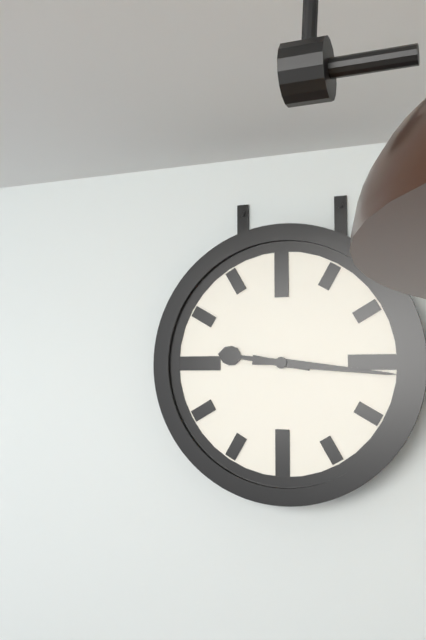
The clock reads 9.16
